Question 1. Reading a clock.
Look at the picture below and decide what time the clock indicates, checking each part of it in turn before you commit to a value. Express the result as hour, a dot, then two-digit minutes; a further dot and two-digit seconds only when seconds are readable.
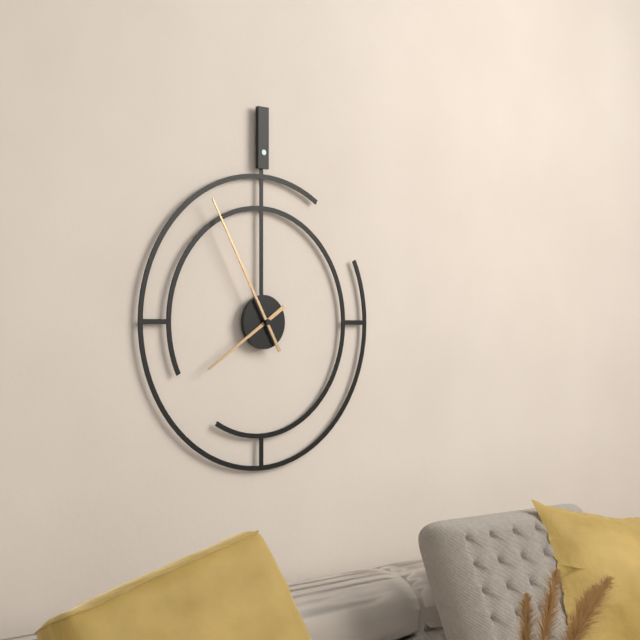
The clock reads 7.55
